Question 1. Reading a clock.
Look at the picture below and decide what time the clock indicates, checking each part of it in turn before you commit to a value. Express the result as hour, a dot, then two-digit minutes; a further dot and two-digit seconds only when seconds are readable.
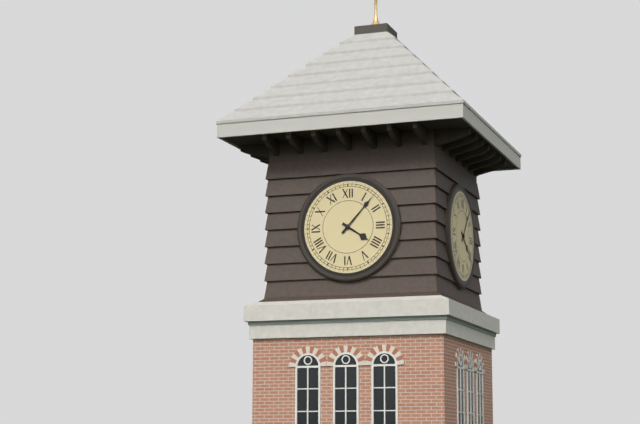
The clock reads 4.07
